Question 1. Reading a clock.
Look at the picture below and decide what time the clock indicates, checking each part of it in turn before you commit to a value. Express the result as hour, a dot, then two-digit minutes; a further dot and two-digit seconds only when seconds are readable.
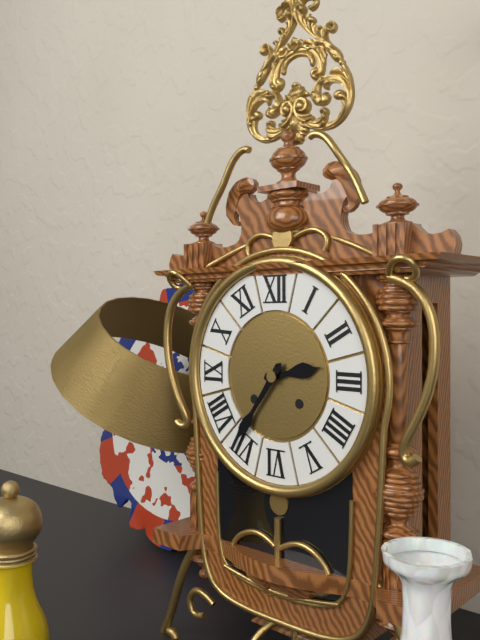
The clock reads 2.36
